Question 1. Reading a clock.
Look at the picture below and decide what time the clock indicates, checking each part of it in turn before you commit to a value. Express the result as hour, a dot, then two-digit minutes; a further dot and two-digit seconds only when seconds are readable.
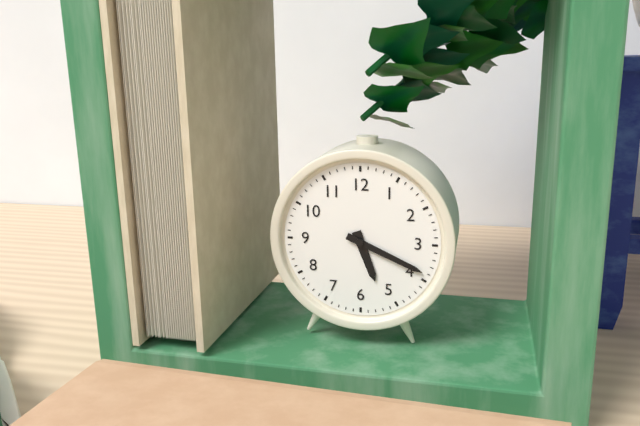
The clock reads 5.19
